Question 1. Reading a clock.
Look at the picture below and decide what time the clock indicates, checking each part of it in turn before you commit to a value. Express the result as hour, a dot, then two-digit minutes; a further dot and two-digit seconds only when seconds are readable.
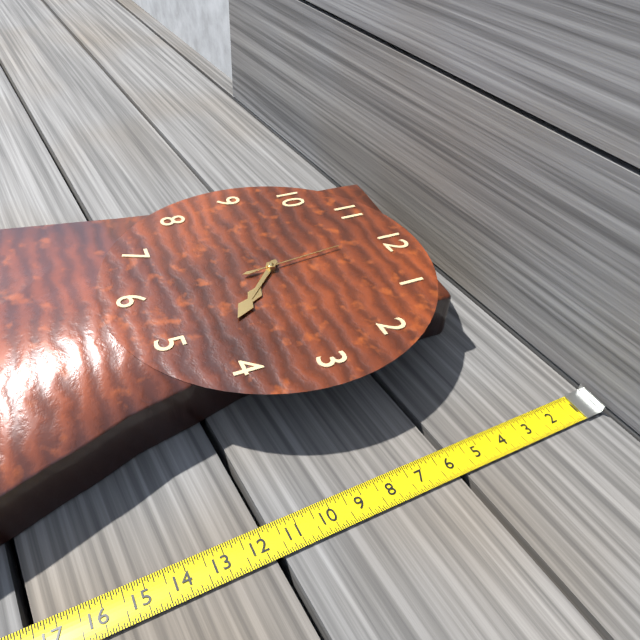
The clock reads 4.22.59
